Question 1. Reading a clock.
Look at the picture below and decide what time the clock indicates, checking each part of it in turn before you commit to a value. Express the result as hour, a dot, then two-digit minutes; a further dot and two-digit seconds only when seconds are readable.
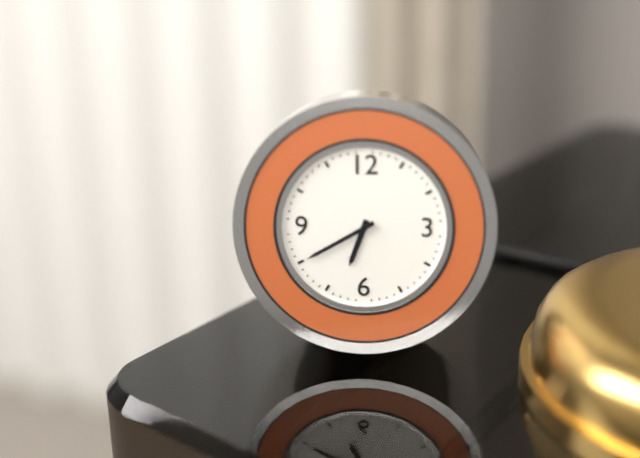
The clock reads 6.40
